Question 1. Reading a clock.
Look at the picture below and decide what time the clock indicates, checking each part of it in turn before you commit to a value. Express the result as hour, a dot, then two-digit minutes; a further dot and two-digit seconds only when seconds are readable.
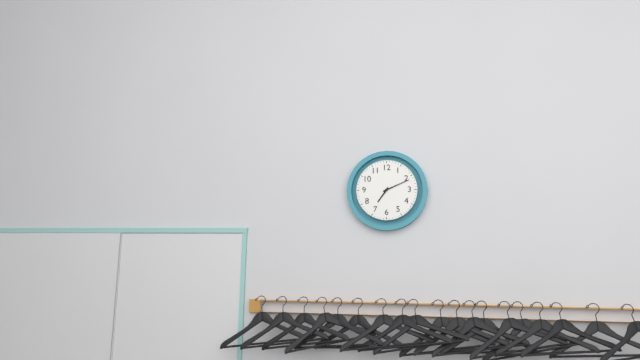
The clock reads 7.11
